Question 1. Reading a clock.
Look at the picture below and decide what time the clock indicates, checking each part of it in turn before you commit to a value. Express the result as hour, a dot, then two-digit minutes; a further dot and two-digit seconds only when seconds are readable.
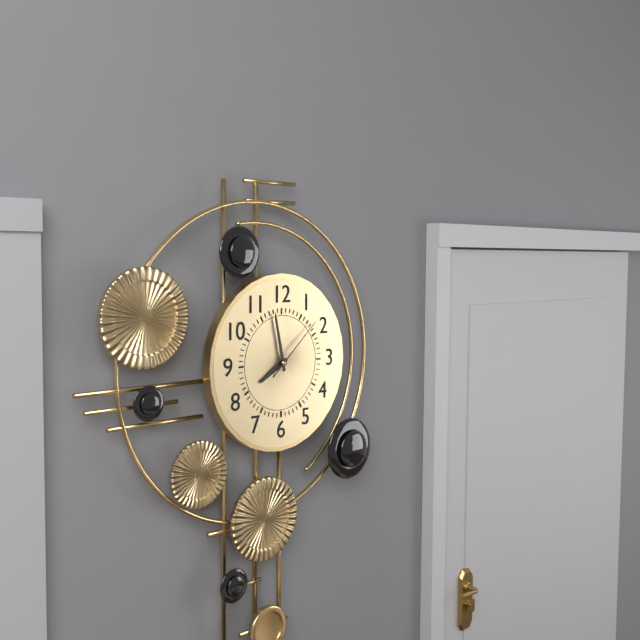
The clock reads 7.58.08
